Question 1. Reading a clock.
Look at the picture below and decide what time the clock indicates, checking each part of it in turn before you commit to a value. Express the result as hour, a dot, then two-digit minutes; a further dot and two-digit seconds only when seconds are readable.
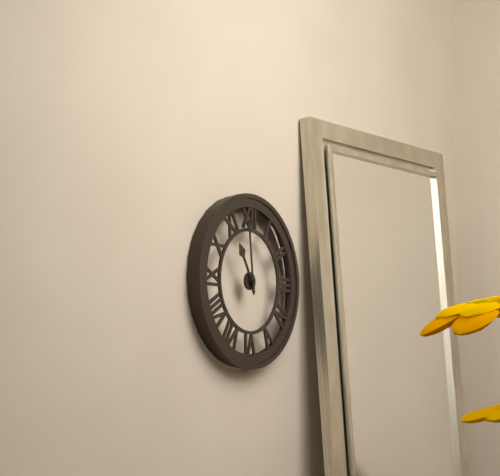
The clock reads 10.59
